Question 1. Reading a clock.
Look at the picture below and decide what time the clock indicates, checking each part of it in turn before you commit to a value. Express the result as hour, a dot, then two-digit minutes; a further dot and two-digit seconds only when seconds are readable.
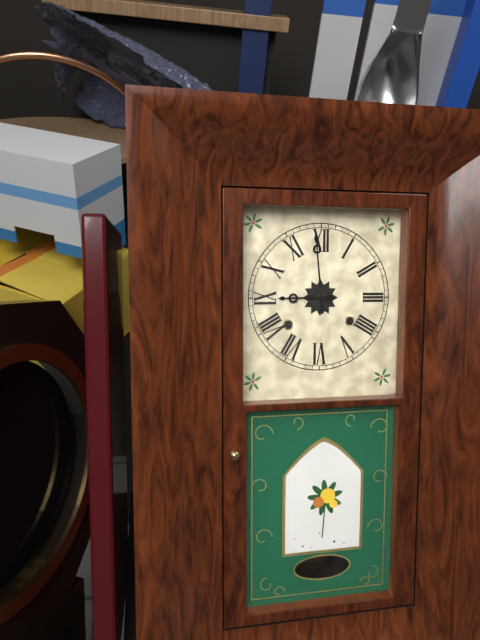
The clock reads 8.59
